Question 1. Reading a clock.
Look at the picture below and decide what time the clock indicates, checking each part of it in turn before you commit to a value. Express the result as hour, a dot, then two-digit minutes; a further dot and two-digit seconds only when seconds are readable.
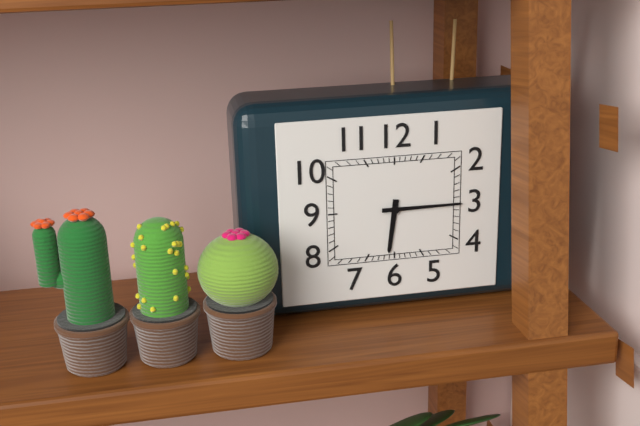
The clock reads 6.15
